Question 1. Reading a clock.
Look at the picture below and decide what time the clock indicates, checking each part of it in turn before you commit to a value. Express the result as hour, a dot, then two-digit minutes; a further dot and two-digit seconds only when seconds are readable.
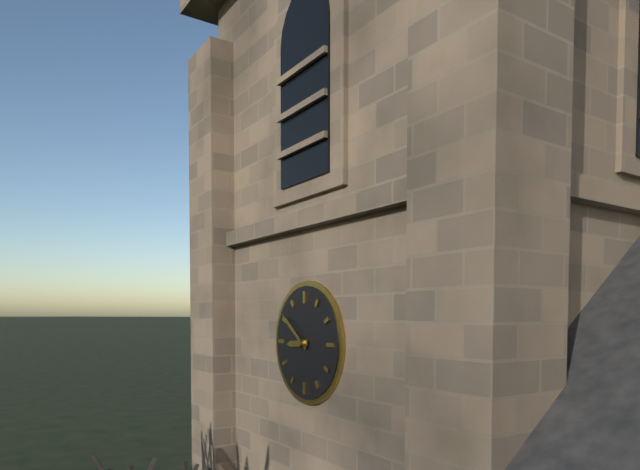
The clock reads 8.51
